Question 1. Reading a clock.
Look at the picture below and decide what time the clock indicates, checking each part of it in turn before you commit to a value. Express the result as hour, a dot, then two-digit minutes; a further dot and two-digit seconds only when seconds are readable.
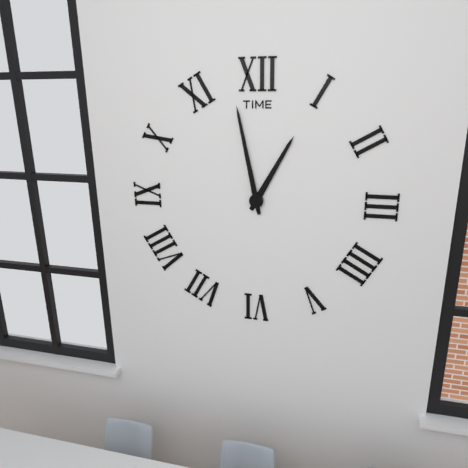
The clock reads 12.58
